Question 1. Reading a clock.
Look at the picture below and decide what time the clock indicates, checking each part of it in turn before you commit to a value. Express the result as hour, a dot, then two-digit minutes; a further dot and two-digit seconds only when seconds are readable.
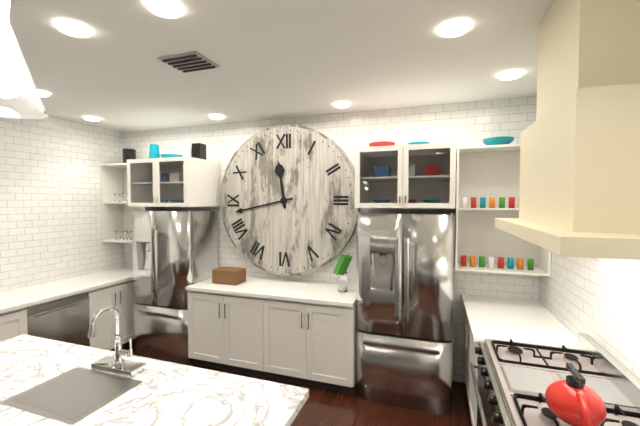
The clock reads 11.43
